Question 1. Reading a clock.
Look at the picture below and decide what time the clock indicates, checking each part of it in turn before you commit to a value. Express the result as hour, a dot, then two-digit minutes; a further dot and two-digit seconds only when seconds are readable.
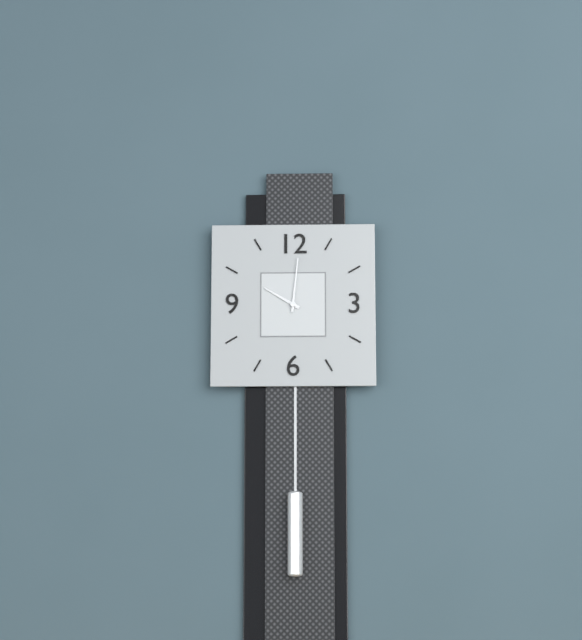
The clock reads 10.01
